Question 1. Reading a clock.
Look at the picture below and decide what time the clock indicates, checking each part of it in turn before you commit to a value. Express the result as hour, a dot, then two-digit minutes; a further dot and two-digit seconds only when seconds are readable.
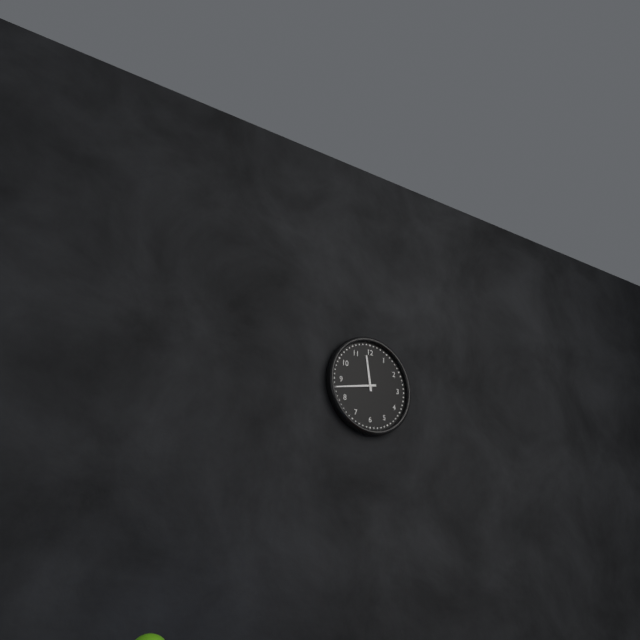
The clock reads 11.43
